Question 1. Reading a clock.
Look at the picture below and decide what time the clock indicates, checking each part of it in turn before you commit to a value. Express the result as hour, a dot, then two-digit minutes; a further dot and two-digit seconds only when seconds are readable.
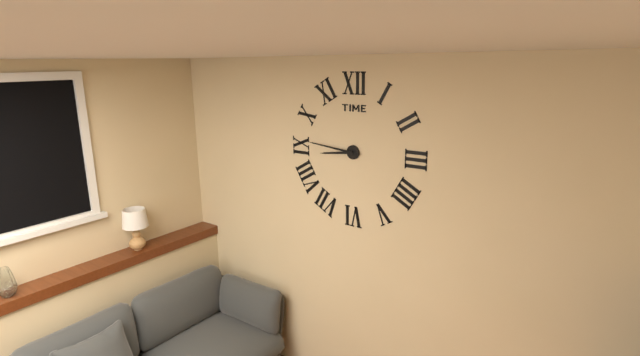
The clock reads 8.46
